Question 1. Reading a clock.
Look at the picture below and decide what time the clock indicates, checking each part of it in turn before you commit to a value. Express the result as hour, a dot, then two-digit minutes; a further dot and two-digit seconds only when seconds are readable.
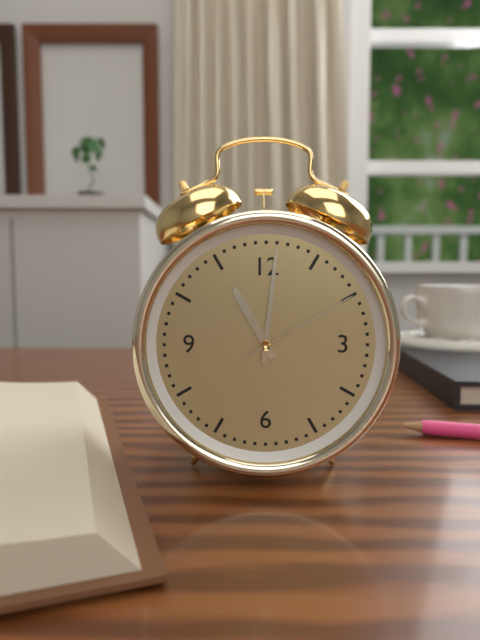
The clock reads 11.01.10
